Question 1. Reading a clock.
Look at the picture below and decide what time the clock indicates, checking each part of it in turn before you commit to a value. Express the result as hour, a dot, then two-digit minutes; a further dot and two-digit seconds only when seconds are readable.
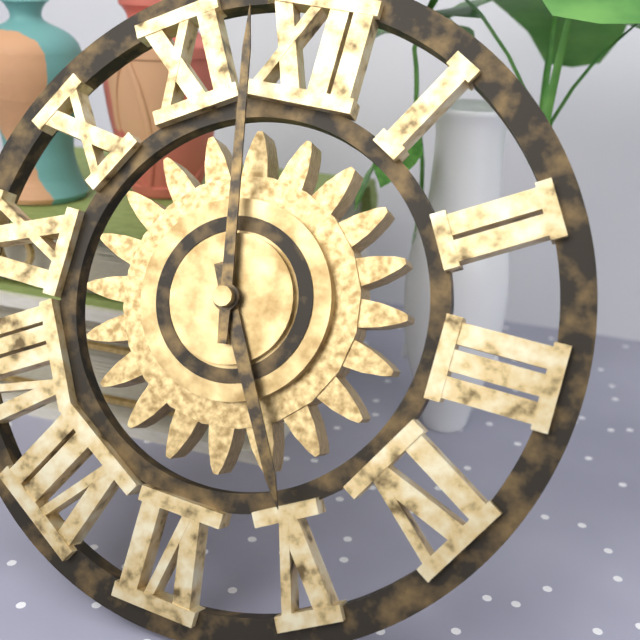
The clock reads 4.58
